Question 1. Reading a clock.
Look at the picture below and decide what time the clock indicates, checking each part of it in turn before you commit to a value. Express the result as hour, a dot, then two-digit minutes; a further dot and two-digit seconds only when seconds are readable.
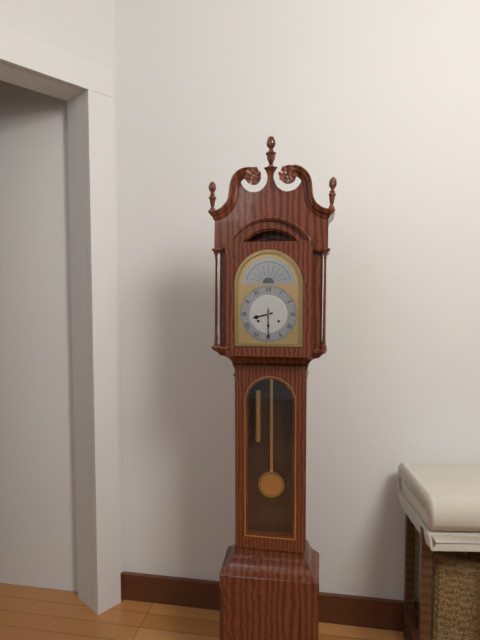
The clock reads 8.30
